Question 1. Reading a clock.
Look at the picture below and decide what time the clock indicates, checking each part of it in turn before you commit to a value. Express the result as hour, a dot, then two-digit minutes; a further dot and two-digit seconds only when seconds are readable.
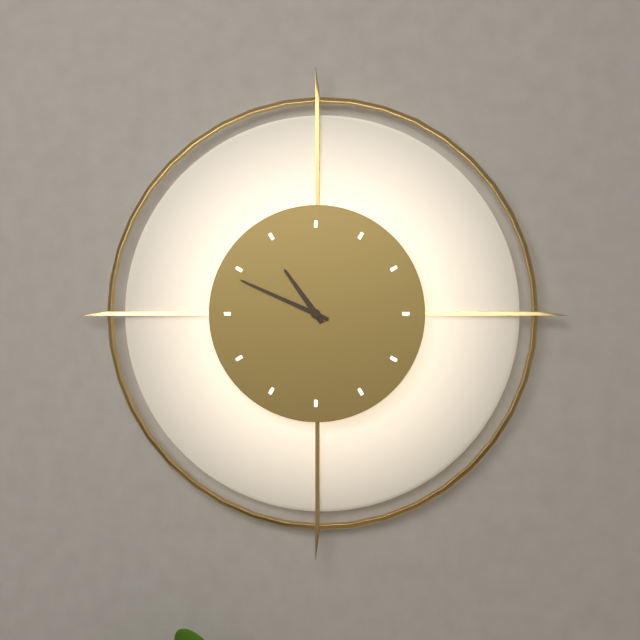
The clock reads 10.49
